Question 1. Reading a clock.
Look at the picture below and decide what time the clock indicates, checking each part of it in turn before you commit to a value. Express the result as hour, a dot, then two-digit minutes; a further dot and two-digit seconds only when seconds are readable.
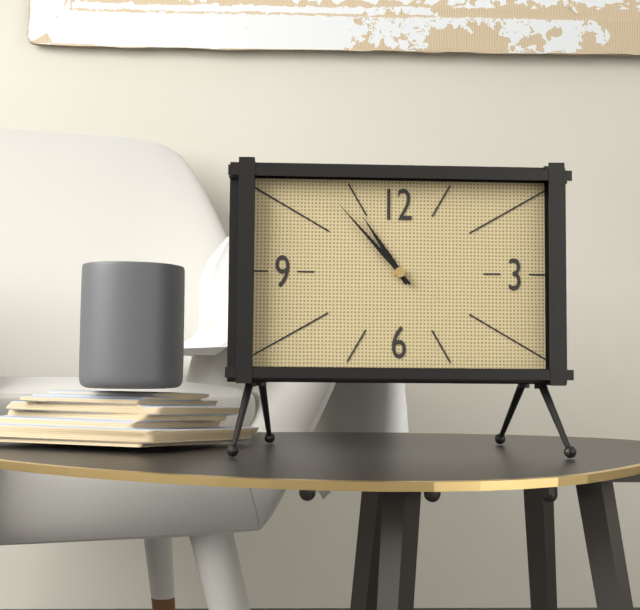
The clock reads 10.53
